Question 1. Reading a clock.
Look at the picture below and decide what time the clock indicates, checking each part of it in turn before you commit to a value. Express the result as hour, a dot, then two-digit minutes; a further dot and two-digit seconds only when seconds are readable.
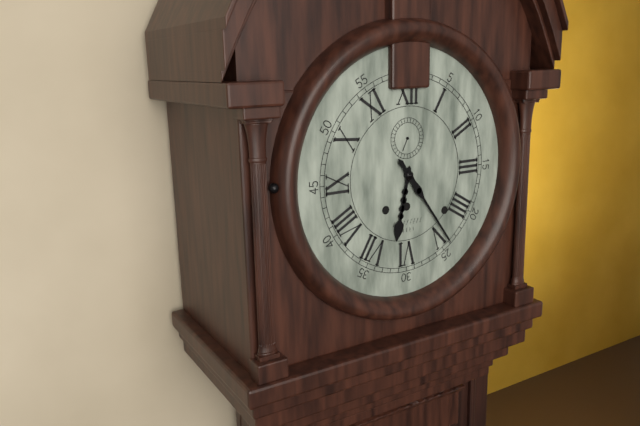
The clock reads 6.24
